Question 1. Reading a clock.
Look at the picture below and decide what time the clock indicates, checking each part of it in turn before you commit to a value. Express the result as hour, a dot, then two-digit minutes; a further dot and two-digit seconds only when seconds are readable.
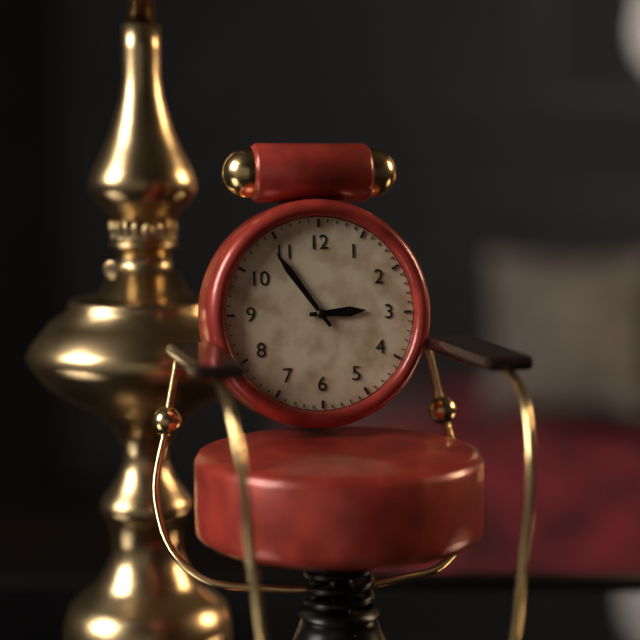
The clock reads 2.54
